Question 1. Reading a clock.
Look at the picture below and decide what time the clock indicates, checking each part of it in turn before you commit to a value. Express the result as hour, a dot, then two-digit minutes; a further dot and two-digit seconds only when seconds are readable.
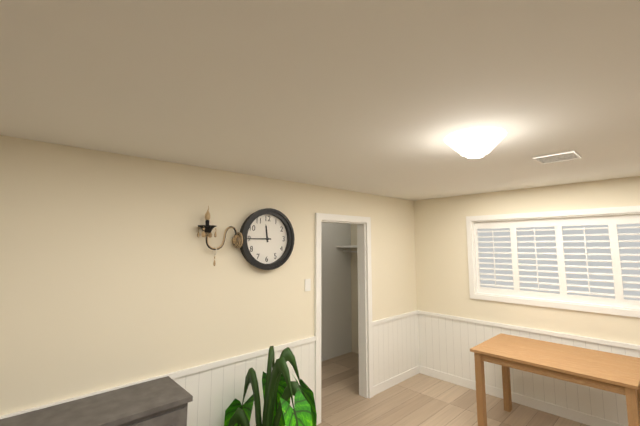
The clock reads 11.45
